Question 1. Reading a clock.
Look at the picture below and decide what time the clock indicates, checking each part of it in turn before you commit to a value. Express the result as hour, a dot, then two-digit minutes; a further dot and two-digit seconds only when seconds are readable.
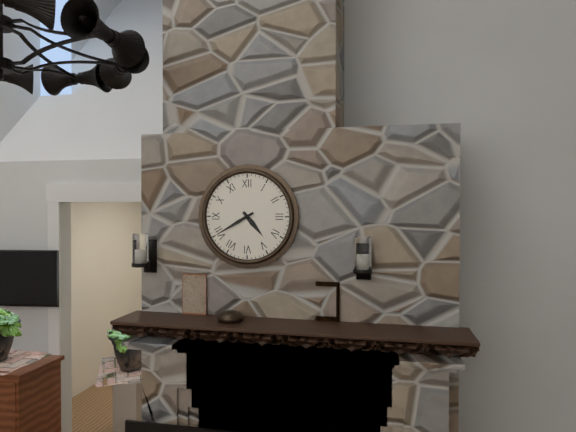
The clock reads 4.40
